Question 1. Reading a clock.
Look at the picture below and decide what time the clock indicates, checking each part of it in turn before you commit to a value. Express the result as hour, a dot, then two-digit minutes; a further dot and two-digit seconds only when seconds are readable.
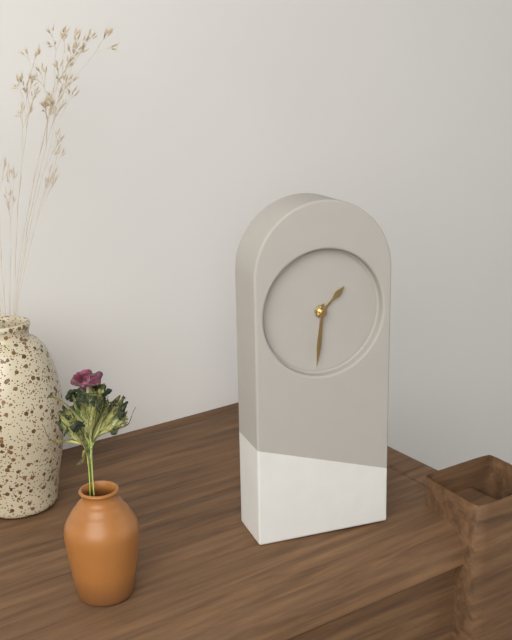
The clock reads 1.31
